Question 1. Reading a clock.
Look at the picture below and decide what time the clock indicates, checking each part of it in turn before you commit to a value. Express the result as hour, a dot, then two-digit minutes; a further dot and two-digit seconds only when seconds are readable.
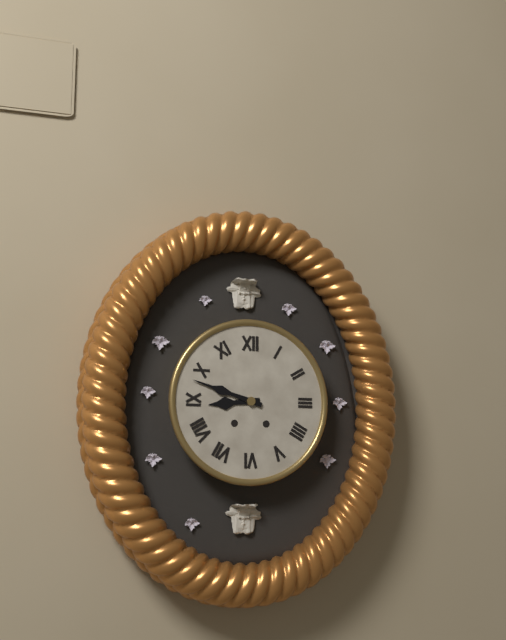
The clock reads 8.48
